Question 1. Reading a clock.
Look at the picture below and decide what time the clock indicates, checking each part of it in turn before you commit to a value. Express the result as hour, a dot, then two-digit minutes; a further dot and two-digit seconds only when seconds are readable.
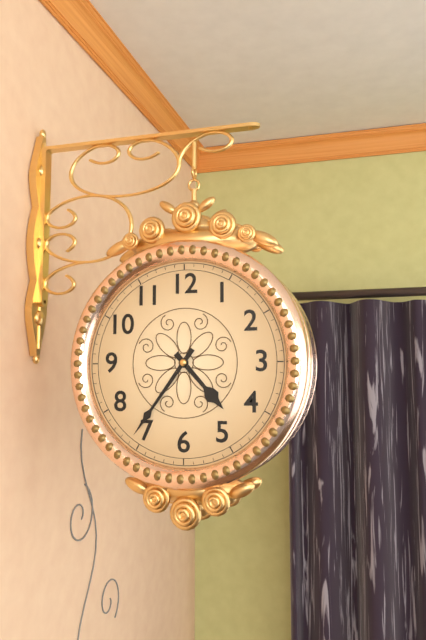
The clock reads 4.36
